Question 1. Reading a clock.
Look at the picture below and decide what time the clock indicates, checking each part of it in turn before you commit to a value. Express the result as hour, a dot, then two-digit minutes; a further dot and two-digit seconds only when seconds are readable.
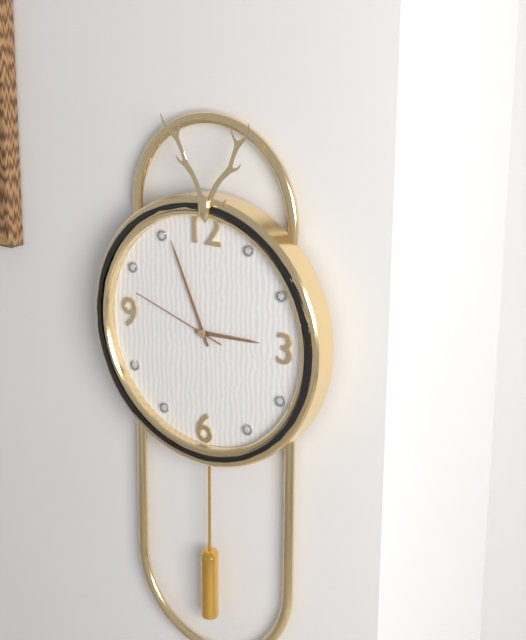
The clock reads 2.56.48
